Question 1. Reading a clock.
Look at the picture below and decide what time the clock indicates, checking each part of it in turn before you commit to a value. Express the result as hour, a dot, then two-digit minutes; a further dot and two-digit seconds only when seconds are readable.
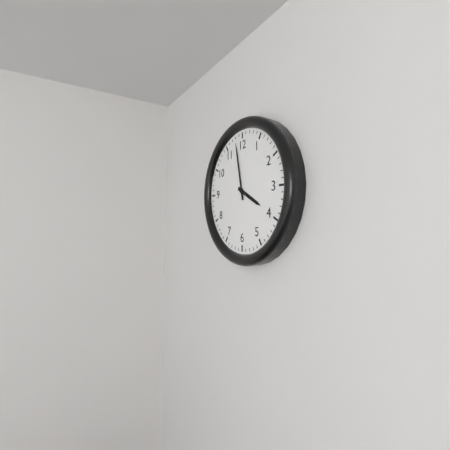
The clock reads 3.58
